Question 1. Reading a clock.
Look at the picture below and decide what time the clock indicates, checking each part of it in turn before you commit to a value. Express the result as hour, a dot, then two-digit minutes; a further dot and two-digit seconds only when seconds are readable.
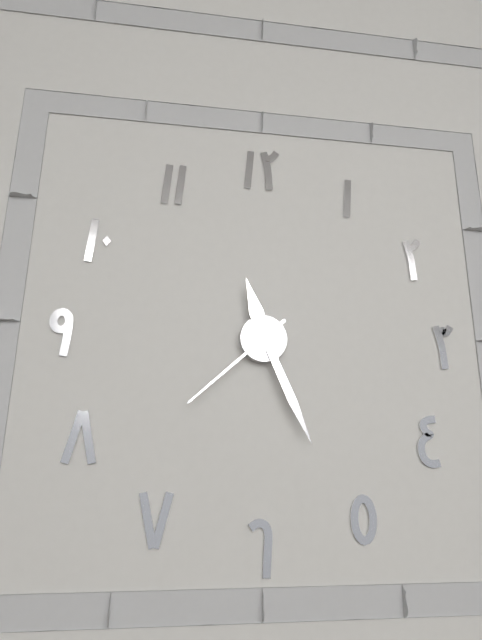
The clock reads 11.26.38
